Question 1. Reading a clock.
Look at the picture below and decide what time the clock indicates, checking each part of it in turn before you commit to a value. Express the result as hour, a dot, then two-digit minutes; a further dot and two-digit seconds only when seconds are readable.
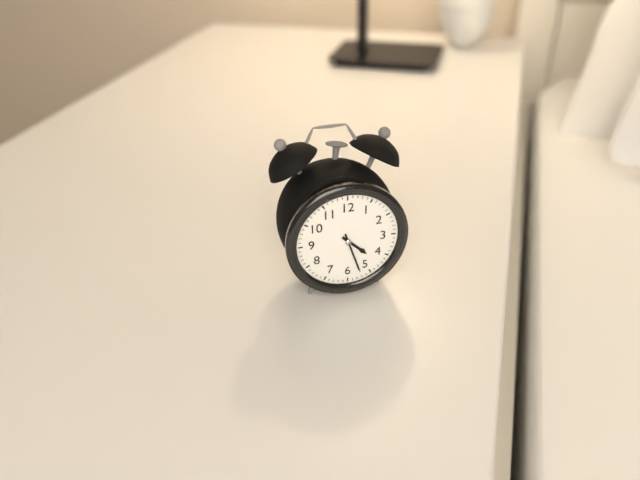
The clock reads 4.27
